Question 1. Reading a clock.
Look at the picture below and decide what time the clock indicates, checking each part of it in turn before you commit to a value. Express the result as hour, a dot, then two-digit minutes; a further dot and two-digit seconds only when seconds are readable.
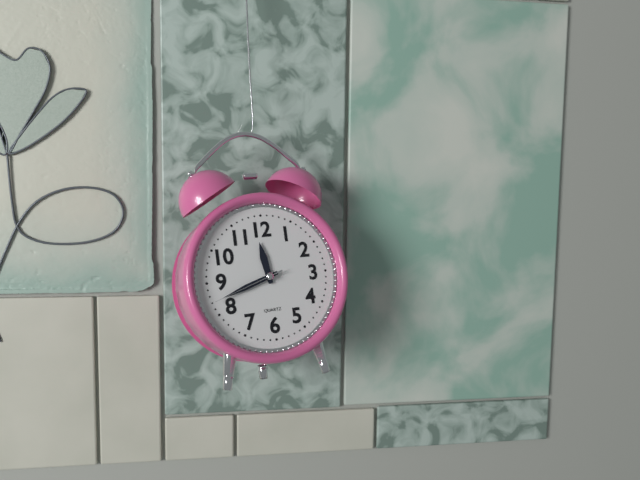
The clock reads 11.42.42
